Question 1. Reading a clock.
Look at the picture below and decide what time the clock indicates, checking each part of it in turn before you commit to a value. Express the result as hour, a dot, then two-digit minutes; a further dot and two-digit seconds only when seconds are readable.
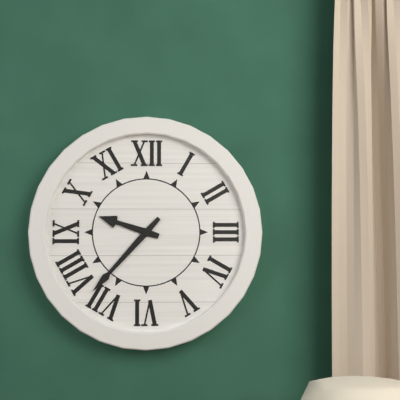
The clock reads 9.37
